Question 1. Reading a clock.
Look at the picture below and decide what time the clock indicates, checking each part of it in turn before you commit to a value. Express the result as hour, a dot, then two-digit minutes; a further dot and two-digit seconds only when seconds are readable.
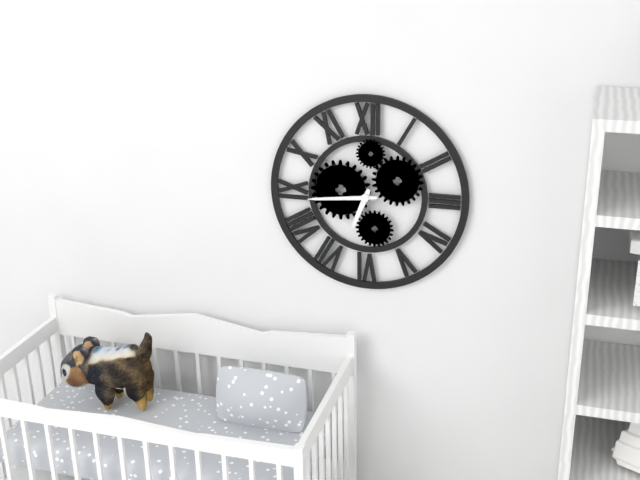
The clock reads 6.44
